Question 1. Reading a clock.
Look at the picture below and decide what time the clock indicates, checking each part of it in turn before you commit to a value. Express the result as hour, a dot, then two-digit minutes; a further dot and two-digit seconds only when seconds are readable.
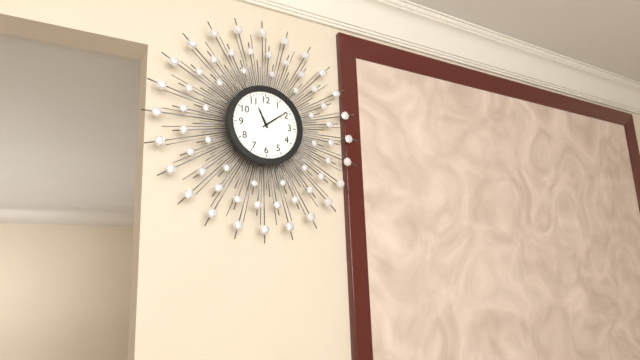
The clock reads 11.09
